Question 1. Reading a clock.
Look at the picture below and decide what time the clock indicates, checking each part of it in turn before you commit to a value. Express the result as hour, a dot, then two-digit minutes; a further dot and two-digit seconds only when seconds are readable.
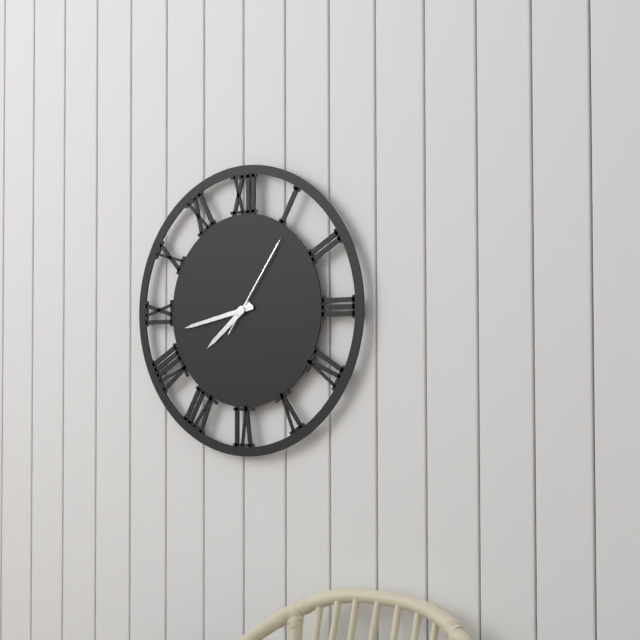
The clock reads 7.43.06
